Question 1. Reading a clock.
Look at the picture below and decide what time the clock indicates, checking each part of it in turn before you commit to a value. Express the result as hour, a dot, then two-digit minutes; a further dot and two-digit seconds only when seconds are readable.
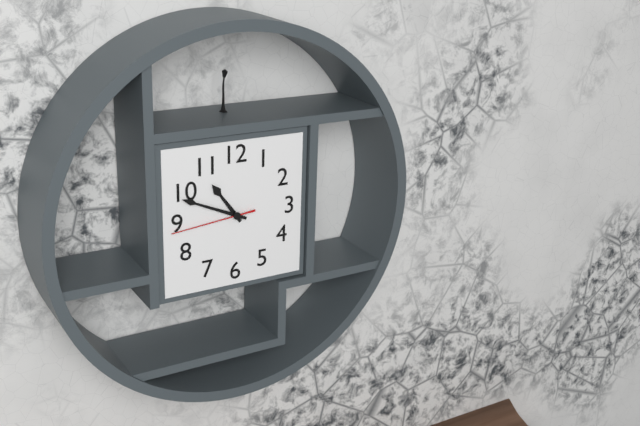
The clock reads 10.49.44
